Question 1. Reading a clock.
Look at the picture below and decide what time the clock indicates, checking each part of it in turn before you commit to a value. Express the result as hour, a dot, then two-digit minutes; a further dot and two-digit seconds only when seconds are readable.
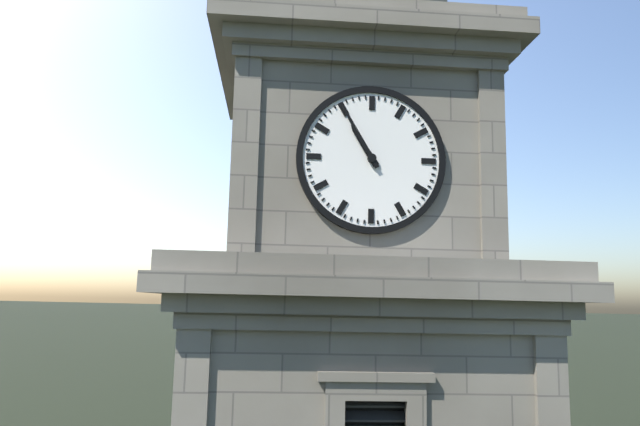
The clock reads 10.55
